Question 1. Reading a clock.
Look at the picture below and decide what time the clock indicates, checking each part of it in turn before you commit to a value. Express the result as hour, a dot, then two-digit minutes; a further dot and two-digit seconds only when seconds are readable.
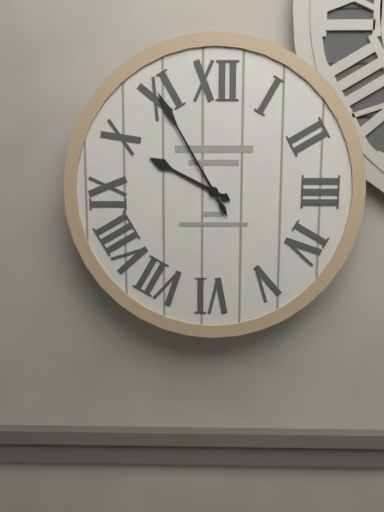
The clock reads 9.55
